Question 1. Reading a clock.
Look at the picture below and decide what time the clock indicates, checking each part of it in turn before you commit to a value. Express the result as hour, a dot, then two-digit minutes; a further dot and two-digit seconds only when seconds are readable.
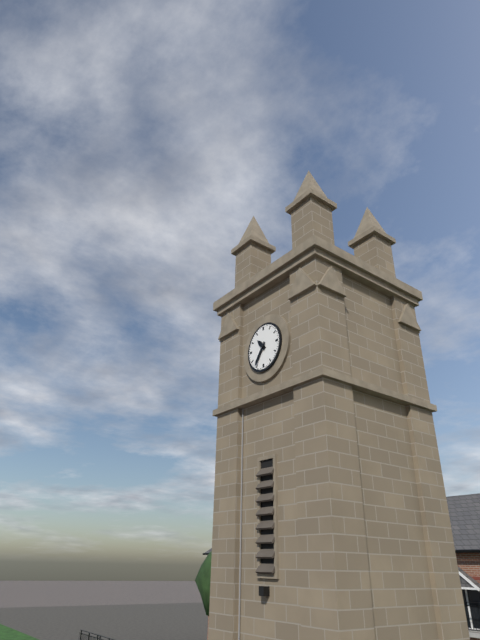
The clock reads 10.36
